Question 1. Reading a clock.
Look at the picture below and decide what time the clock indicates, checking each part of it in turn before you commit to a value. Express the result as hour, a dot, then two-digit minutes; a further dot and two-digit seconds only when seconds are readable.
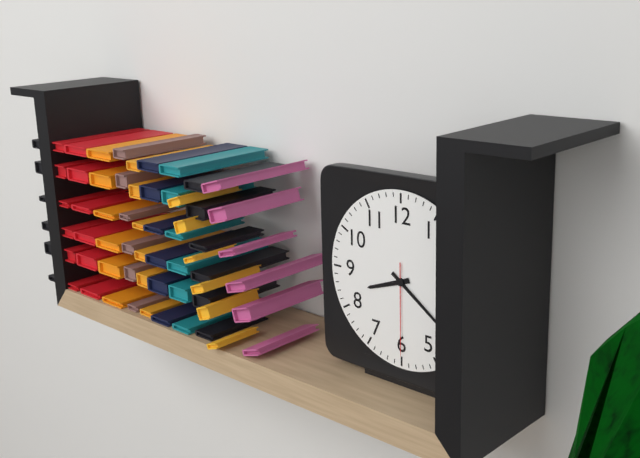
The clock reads 8.21.30
